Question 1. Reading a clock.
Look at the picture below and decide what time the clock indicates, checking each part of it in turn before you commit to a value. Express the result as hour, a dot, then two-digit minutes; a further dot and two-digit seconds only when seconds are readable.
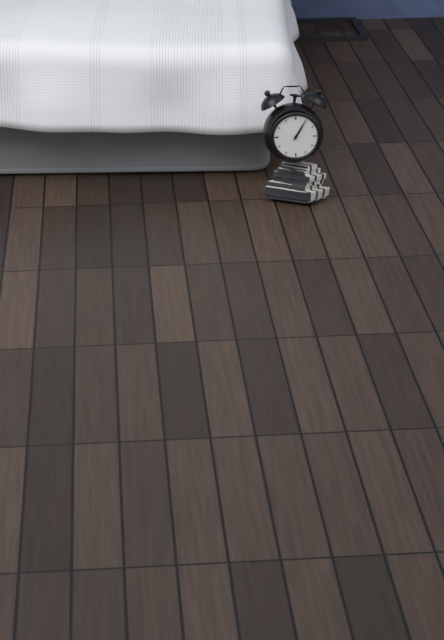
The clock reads 1.05
